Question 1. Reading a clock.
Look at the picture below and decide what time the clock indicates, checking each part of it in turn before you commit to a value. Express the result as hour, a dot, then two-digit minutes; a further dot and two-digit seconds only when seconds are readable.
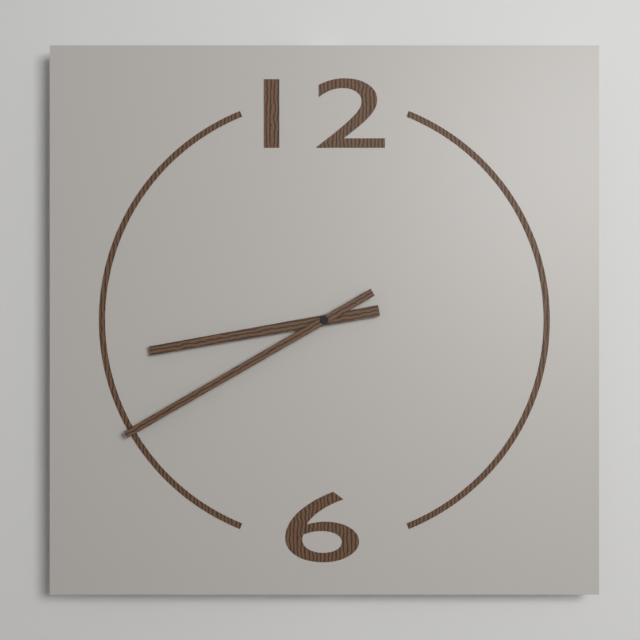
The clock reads 8.40
